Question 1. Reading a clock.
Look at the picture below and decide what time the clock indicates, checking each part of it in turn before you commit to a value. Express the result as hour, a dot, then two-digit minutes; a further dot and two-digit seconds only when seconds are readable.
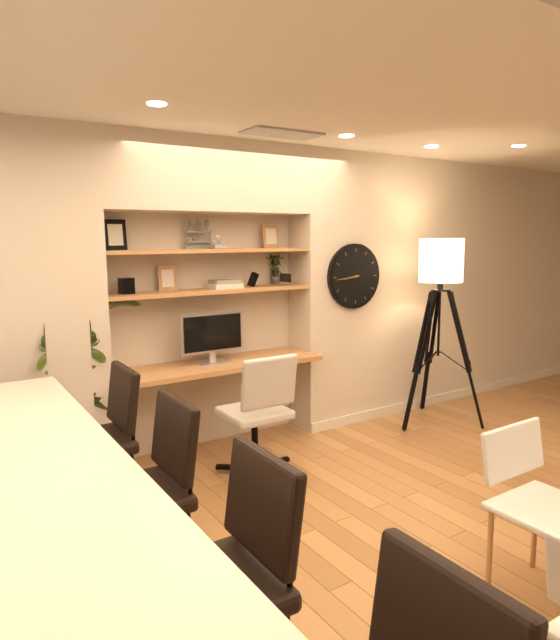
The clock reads 8.44
